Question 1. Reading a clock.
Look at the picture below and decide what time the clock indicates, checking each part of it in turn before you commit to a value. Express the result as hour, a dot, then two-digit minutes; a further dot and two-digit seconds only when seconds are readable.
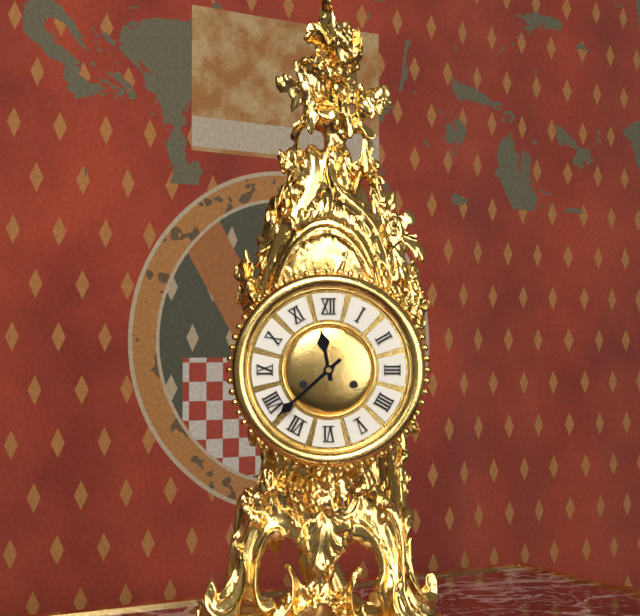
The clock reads 11.38
